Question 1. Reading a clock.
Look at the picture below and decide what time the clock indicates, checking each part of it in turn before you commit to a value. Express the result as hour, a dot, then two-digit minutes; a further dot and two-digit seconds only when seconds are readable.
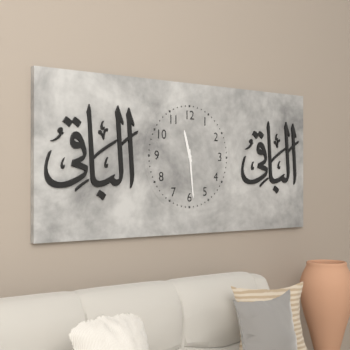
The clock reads 11.29
